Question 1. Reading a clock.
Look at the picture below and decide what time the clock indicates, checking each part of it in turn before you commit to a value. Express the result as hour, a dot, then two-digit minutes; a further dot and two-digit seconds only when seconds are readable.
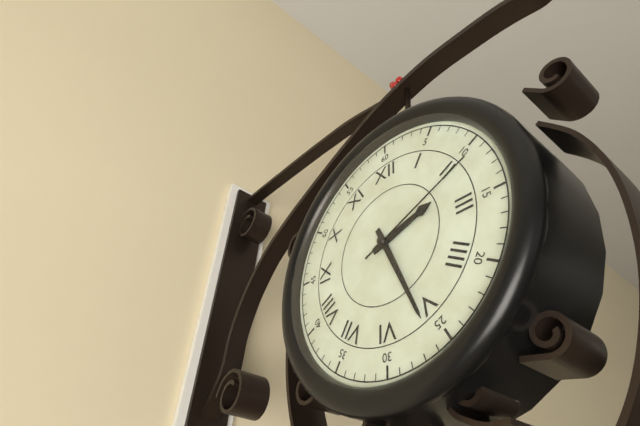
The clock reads 2.26.11
